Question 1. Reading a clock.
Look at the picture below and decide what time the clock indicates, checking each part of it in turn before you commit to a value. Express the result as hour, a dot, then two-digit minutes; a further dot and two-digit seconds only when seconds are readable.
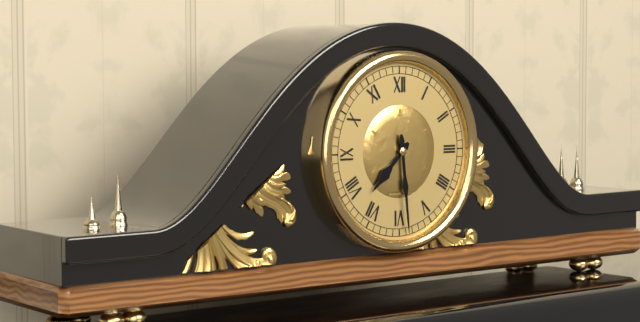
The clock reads 7.29
